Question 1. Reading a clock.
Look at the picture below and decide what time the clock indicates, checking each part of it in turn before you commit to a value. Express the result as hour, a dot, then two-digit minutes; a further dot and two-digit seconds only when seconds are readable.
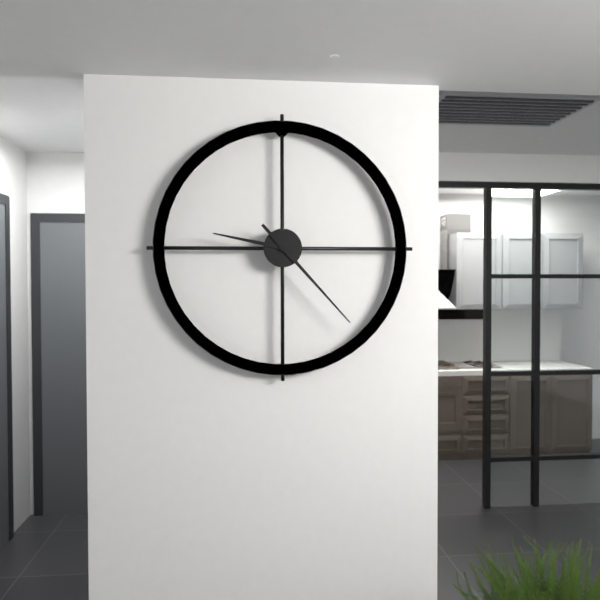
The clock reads 9.23
